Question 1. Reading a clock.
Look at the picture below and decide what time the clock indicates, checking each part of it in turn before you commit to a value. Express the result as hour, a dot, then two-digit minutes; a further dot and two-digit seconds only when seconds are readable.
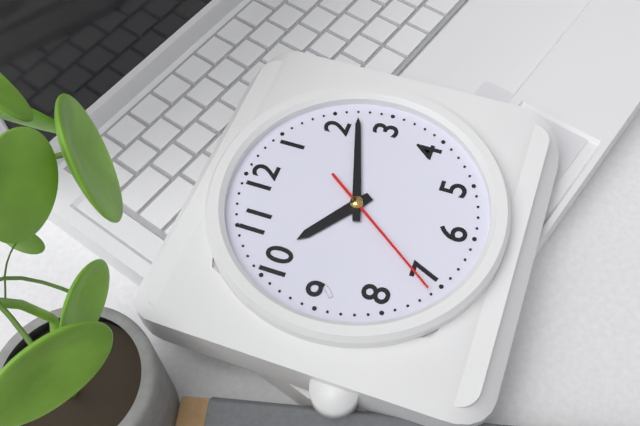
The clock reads 10.12.36
